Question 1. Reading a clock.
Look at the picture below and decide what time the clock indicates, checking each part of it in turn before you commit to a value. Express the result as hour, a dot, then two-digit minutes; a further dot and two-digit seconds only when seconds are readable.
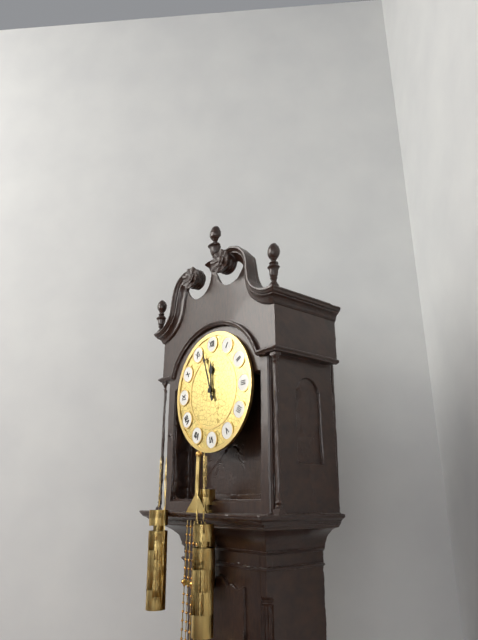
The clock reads 11.57
